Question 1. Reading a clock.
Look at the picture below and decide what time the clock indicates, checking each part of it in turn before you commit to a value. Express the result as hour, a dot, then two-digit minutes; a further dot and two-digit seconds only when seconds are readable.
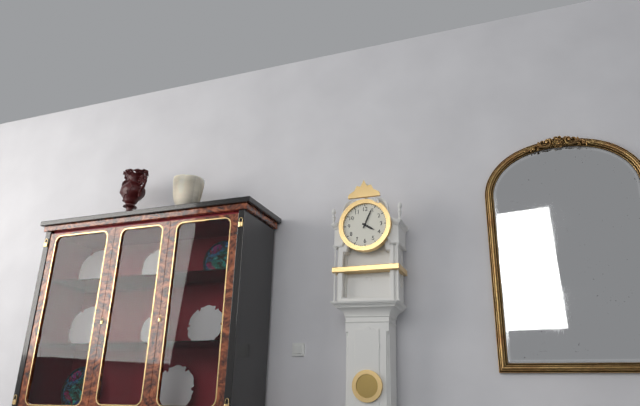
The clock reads 4.04
